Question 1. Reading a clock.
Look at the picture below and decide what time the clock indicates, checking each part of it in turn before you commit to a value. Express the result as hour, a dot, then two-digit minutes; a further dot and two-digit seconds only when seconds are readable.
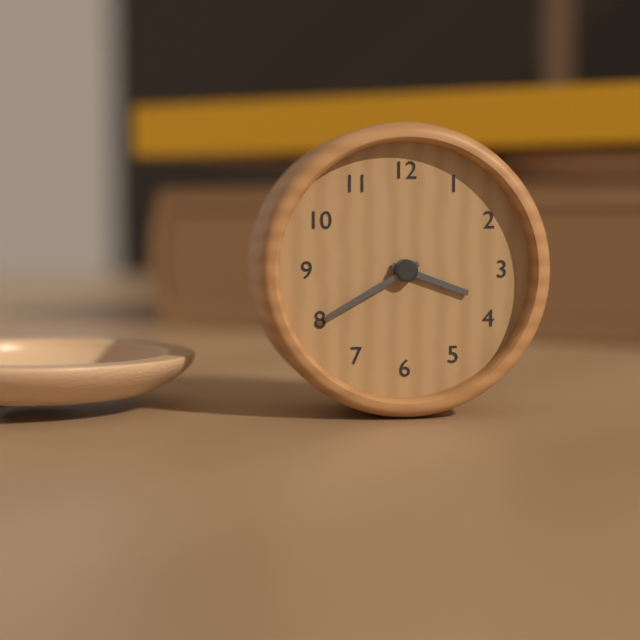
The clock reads 3.40
